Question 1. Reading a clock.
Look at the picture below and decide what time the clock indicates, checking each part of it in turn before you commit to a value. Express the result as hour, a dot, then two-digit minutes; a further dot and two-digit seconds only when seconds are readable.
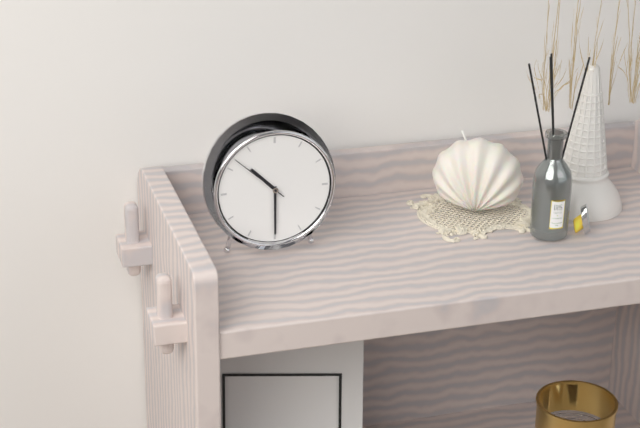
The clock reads 10.30.52
